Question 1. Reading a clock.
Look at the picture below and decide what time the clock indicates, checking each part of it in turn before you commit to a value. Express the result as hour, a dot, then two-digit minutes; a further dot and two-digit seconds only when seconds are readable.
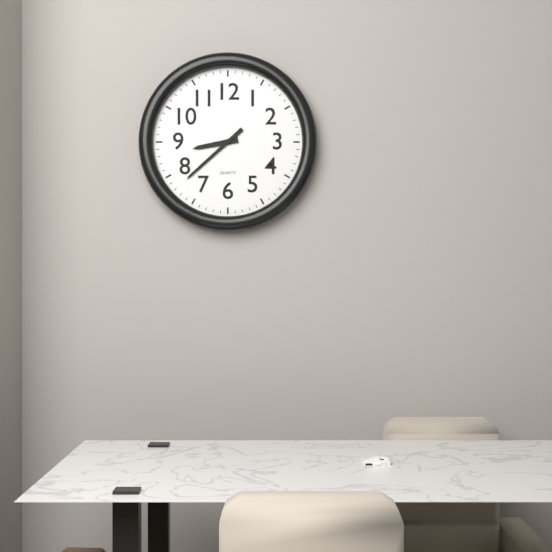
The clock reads 8.38
